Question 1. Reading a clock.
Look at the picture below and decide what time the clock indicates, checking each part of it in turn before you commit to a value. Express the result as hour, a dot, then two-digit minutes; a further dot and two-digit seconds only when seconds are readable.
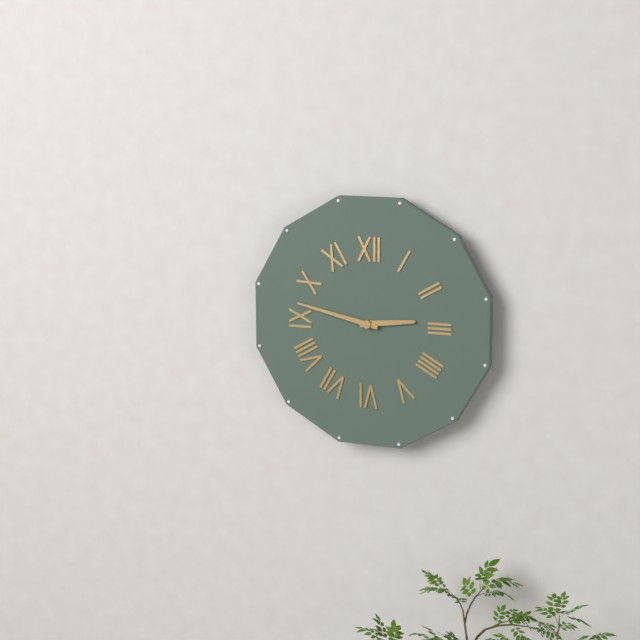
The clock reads 2.47
